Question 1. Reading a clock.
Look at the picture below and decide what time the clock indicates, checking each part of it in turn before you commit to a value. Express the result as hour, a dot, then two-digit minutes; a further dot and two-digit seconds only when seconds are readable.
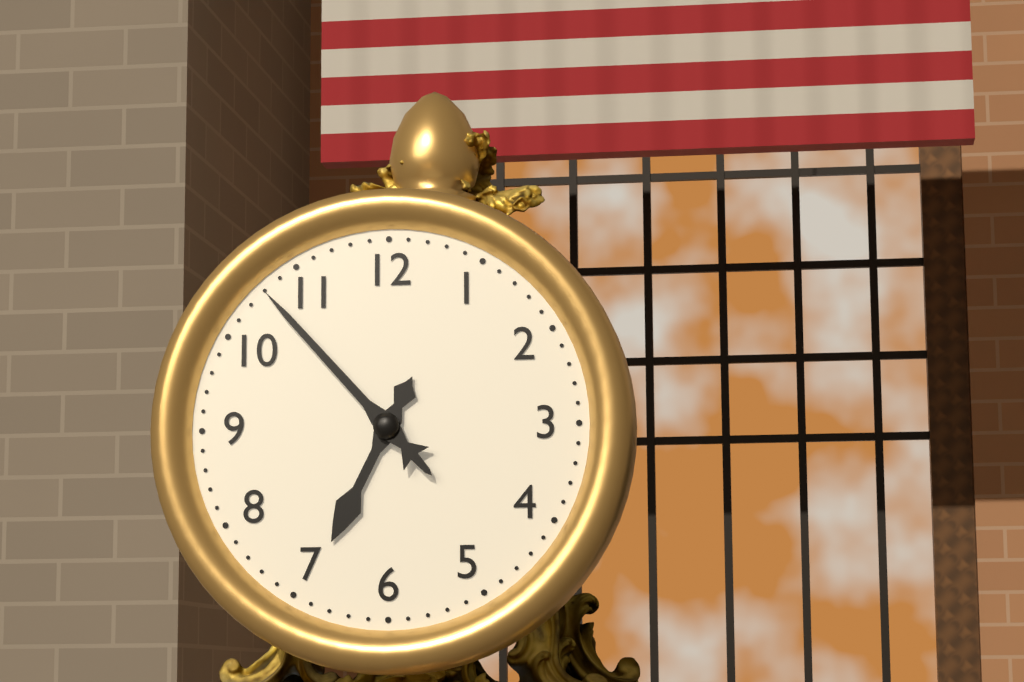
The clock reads 6.53
